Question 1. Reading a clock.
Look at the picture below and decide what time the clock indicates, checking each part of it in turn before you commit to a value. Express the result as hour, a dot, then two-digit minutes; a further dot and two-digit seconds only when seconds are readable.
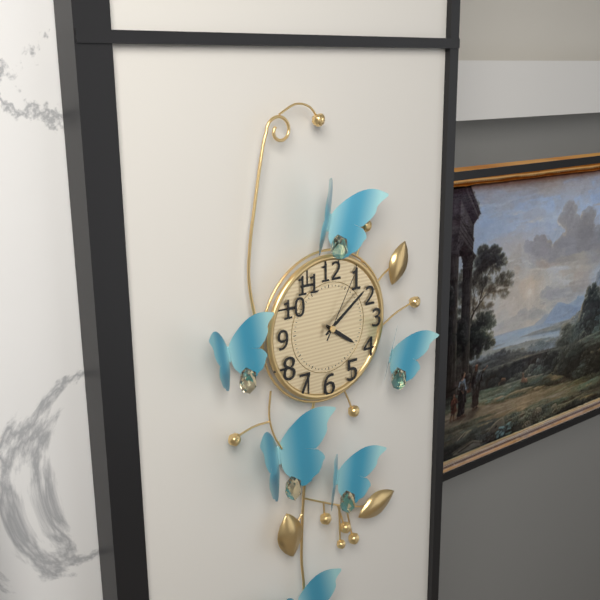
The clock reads 4.09.05
